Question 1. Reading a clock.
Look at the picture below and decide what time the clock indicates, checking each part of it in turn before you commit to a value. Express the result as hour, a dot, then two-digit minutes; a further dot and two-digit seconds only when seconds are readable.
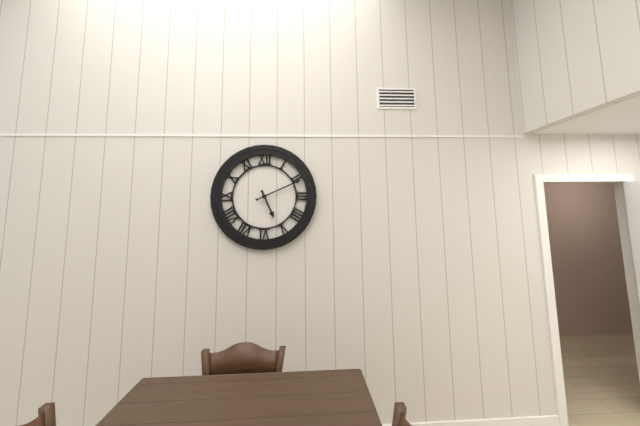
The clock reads 5.11
